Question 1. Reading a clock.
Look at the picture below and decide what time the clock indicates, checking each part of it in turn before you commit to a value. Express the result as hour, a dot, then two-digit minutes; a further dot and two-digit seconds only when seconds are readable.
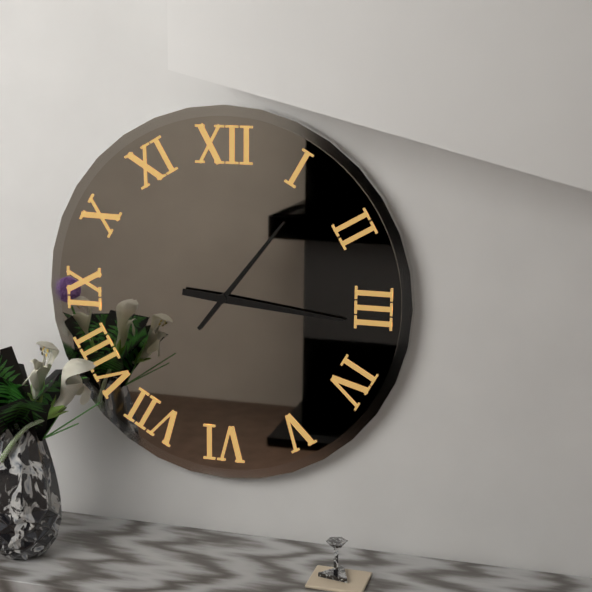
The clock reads 1.16
